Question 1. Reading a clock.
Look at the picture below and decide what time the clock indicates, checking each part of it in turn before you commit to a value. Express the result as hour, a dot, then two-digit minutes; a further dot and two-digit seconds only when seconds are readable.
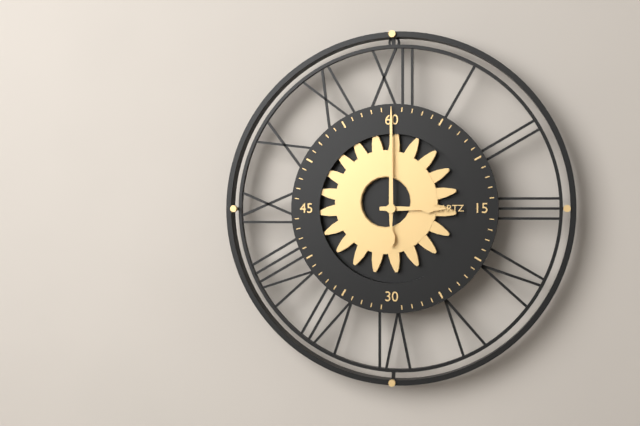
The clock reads 3.00
